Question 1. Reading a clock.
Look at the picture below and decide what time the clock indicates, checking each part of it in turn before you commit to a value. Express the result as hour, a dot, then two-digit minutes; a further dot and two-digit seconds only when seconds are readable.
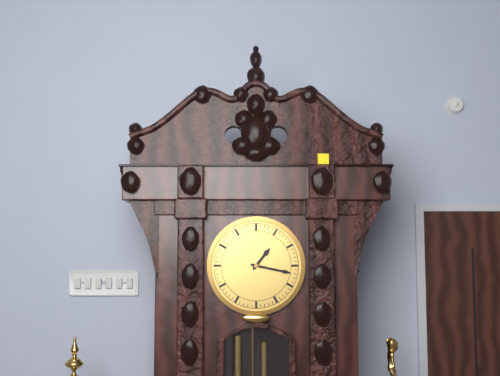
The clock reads 1.17
